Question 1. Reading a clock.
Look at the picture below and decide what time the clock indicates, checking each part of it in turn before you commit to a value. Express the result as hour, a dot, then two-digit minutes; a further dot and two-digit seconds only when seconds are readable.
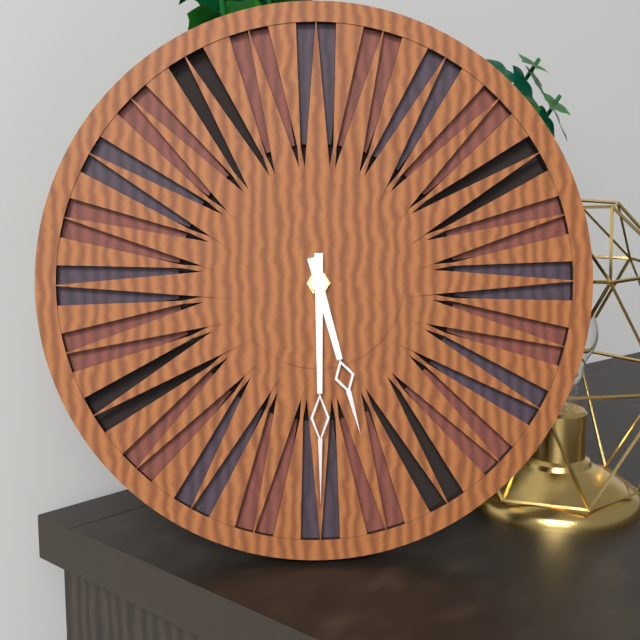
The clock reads 5.30
